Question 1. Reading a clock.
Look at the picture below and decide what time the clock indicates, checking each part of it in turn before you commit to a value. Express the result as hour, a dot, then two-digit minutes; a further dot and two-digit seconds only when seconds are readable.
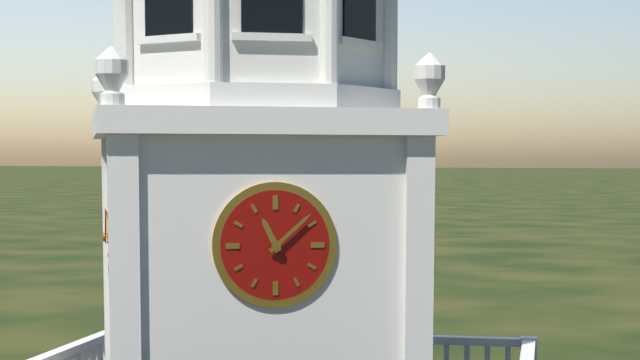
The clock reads 11.08
